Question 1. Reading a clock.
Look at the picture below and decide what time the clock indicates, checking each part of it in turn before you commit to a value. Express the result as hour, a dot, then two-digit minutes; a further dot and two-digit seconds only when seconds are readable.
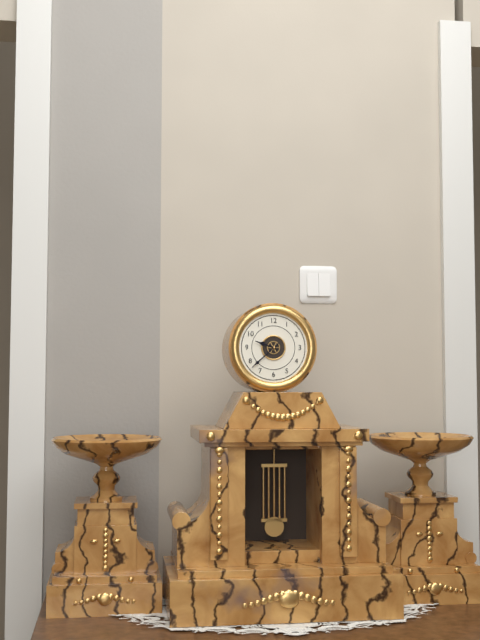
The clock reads 9.38
